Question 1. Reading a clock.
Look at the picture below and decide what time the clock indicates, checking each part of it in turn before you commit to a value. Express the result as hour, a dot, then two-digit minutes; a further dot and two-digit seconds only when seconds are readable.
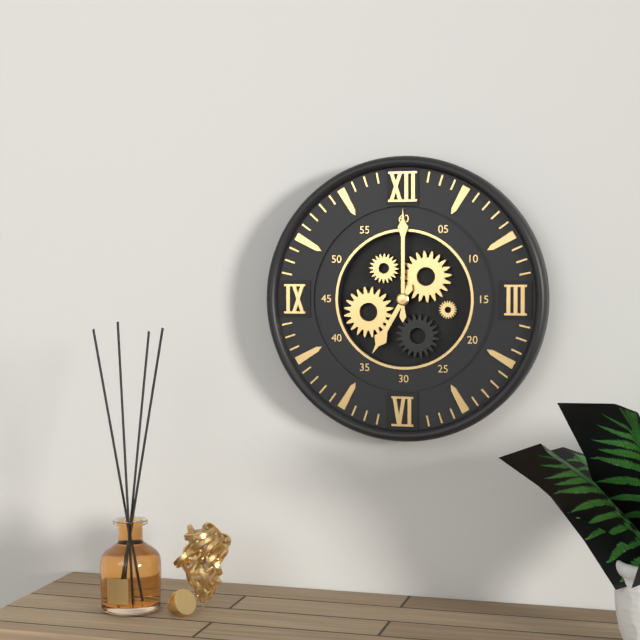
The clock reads 7.00
